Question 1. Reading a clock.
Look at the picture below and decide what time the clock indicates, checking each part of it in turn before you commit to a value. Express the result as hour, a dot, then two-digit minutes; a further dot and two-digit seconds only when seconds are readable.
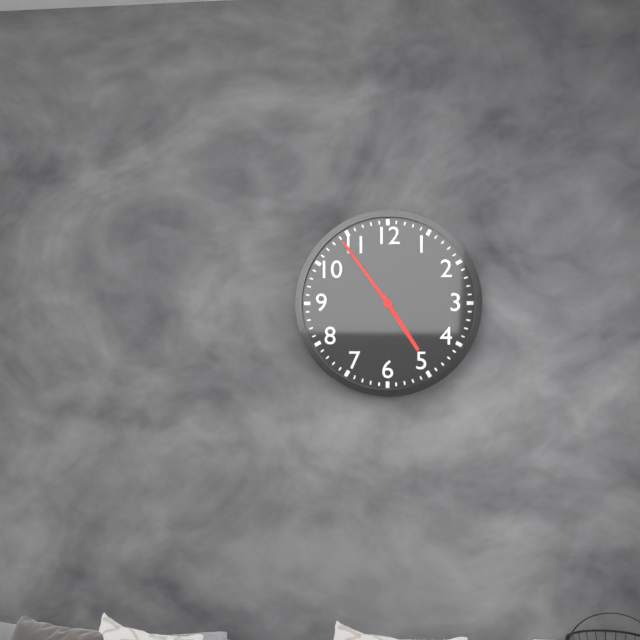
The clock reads 4.54
